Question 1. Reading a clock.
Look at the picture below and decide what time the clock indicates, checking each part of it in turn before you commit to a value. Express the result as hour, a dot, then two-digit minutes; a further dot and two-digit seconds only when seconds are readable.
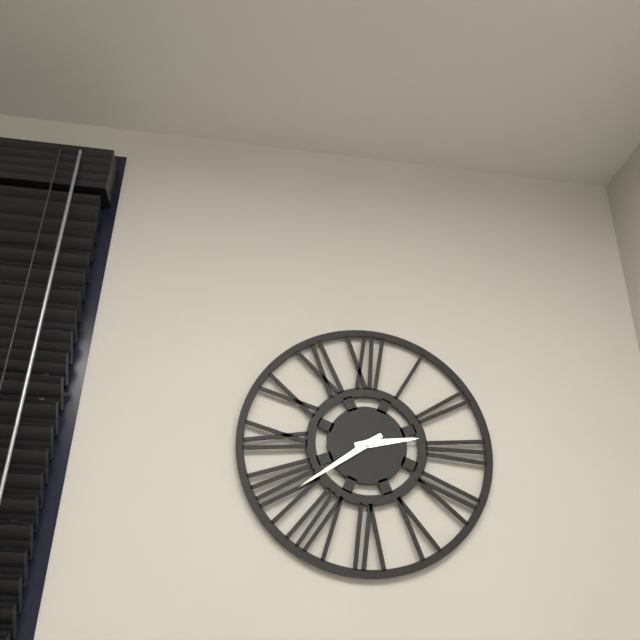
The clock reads 2.39
